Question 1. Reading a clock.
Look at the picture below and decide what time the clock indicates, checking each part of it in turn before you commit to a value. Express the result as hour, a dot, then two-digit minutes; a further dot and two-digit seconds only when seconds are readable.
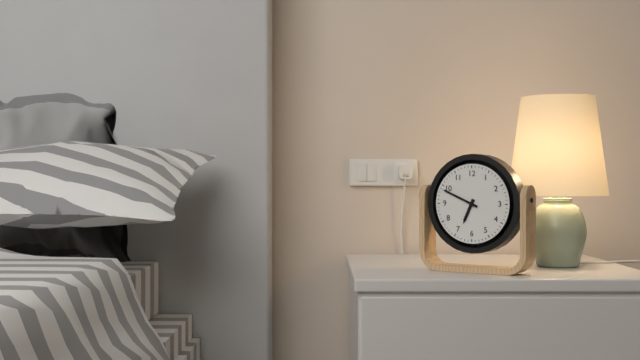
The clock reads 6.49
